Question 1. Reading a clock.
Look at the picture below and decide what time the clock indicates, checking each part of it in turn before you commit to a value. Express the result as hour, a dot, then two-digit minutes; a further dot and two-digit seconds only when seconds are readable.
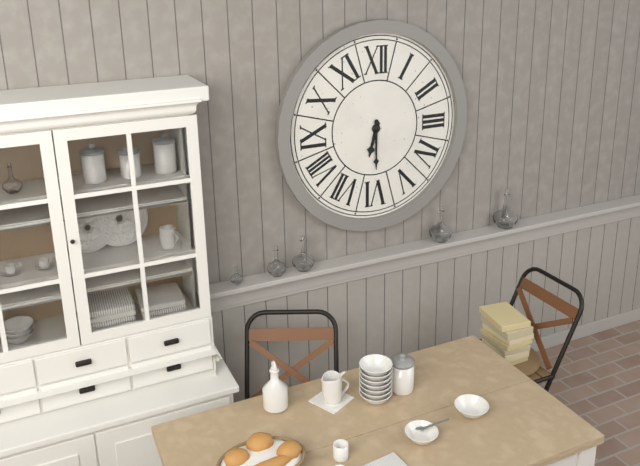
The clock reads 6.30
